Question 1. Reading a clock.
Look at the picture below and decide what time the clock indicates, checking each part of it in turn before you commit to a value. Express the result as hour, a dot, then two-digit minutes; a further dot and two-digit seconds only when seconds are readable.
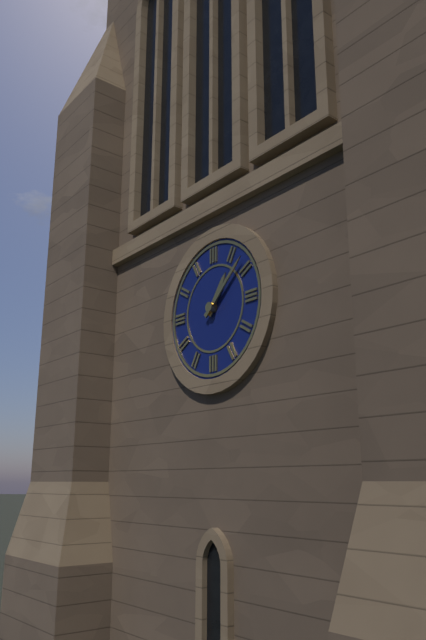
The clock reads 1.08
